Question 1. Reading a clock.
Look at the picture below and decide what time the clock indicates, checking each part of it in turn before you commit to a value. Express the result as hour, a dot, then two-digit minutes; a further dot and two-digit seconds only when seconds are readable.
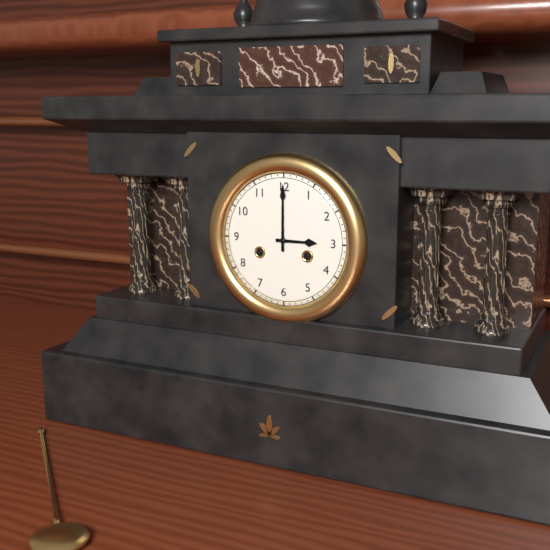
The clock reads 3.00
